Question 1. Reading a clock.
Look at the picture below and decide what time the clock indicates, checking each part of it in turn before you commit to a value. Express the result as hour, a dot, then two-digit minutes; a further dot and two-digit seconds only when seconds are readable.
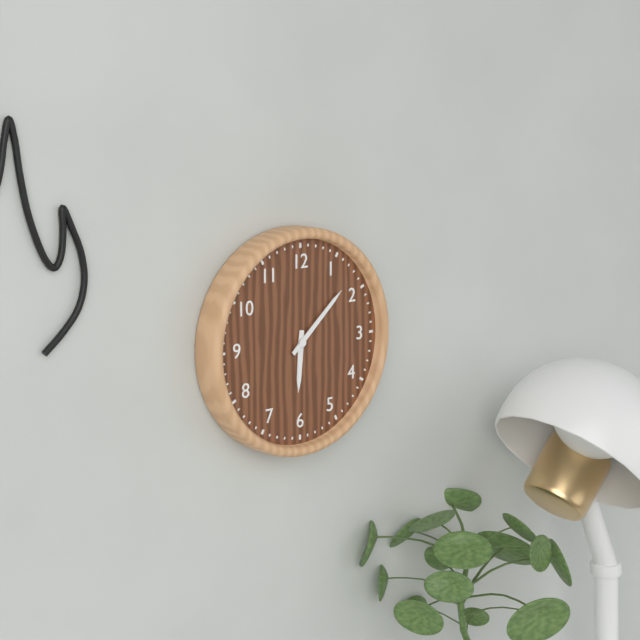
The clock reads 6.08
